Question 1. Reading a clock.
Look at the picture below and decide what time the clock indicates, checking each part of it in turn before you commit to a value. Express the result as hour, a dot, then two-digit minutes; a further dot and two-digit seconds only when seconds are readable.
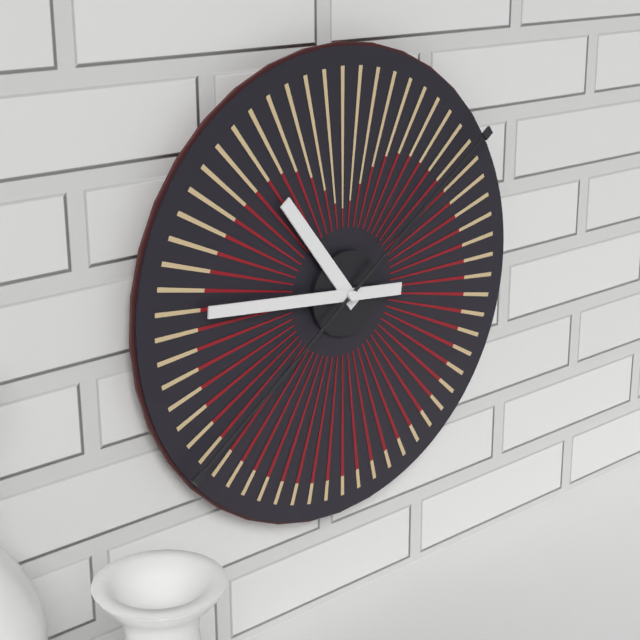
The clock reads 10.46
